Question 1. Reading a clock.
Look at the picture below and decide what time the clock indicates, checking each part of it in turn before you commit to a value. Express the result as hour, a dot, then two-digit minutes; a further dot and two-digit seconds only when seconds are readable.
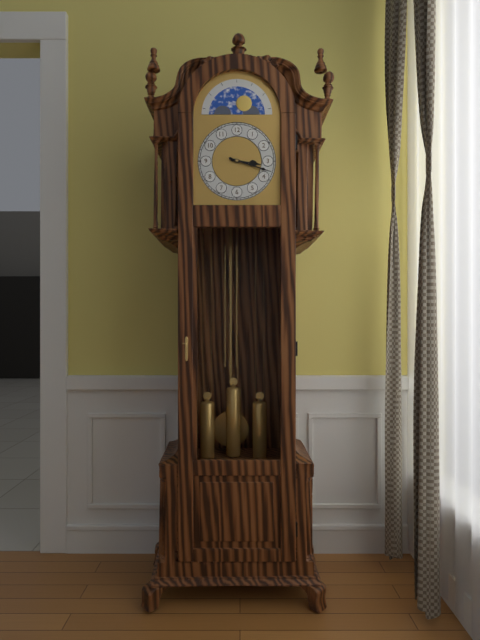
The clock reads 3.18
